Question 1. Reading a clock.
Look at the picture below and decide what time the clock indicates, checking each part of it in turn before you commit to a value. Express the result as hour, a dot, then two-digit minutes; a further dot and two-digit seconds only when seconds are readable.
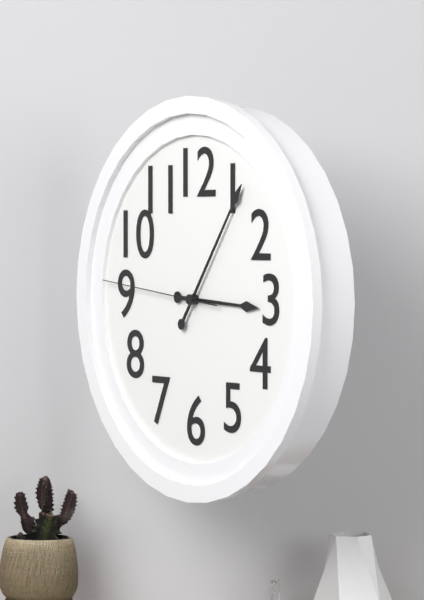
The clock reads 3.06.46
